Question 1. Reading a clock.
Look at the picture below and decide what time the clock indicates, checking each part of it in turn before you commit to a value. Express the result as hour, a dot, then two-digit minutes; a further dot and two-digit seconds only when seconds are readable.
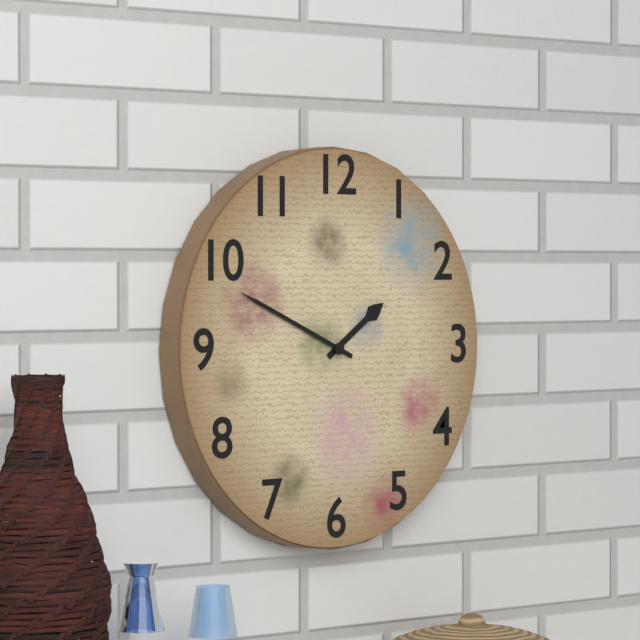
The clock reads 1.49
